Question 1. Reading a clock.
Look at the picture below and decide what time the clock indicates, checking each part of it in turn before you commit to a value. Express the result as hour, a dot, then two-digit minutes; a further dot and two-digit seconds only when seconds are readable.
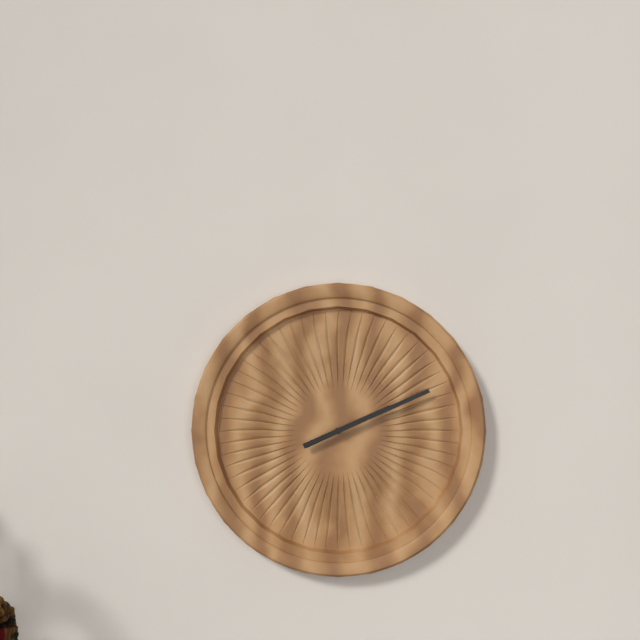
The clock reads 2.11
